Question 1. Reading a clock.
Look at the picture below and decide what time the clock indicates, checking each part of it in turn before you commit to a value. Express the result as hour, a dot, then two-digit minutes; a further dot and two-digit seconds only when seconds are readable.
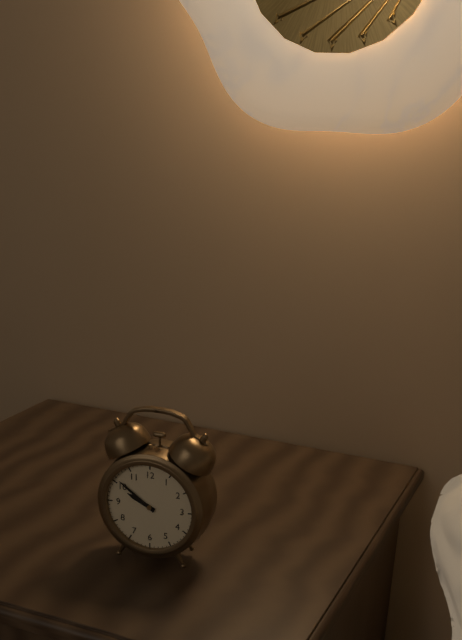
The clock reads 9.51
